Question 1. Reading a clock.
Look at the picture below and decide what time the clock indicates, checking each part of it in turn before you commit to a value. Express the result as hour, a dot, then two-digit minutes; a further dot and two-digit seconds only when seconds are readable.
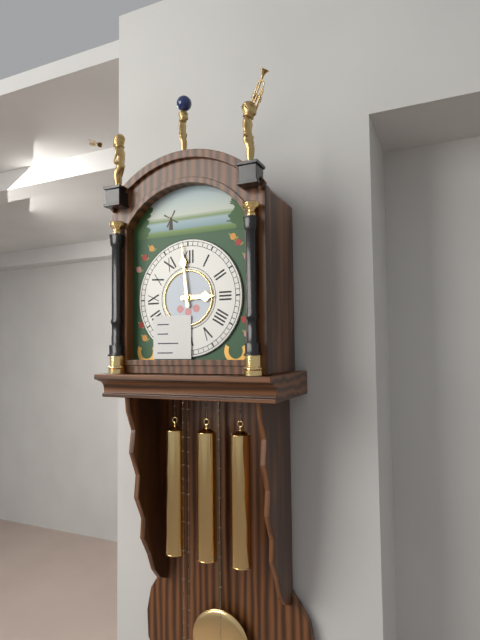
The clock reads 2.59
